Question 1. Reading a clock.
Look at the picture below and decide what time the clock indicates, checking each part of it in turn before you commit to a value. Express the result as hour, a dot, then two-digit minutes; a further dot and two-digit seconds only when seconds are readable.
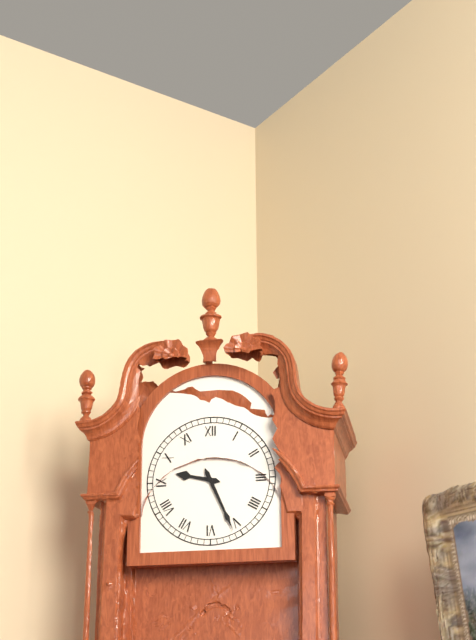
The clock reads 9.26
